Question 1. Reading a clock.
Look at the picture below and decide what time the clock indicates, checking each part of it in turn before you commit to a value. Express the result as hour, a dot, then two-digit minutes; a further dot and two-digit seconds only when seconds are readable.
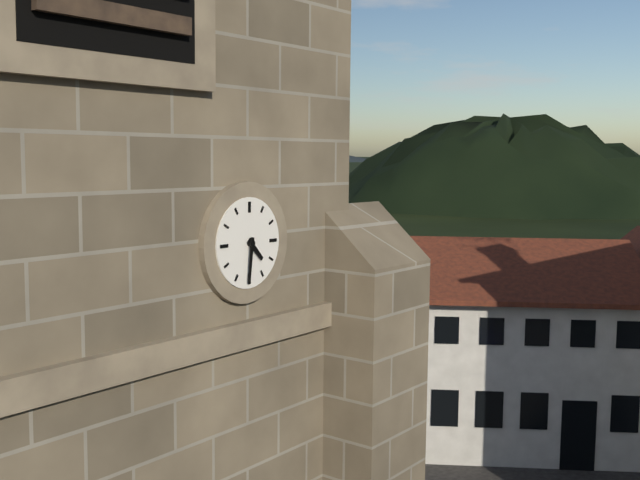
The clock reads 4.31
